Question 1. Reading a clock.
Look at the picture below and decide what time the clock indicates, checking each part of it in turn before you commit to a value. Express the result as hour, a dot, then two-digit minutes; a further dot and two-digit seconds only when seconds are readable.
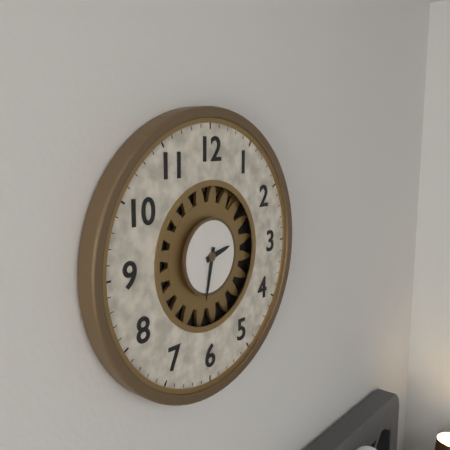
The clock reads 2.32
